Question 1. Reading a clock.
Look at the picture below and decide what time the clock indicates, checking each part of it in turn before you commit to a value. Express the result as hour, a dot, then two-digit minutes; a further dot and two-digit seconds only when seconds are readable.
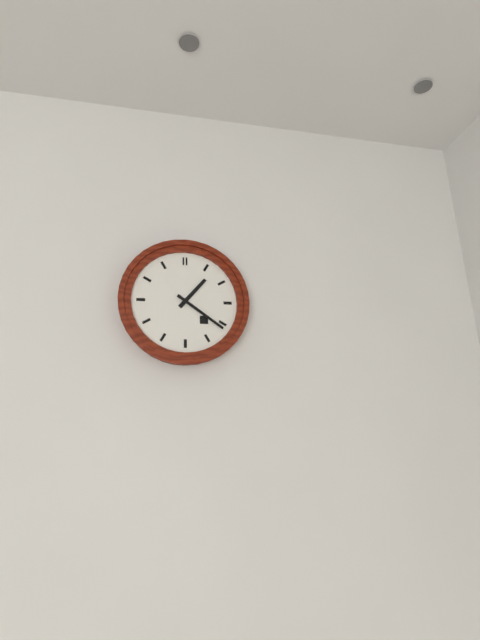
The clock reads 1.21
